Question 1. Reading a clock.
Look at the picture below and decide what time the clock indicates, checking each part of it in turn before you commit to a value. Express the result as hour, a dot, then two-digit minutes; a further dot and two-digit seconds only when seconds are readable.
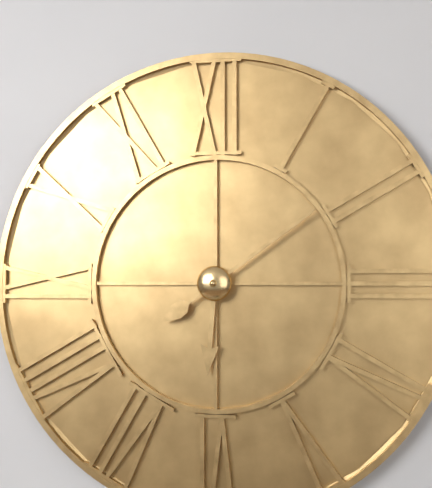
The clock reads 6.09
